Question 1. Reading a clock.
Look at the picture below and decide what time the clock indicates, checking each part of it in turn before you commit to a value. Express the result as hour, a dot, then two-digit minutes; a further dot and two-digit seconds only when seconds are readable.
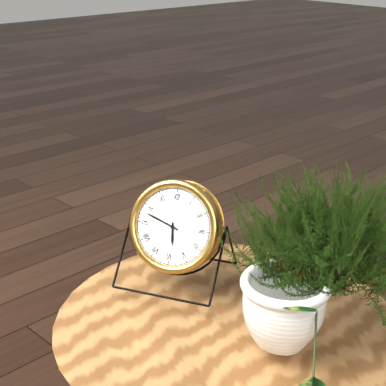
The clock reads 5.48
